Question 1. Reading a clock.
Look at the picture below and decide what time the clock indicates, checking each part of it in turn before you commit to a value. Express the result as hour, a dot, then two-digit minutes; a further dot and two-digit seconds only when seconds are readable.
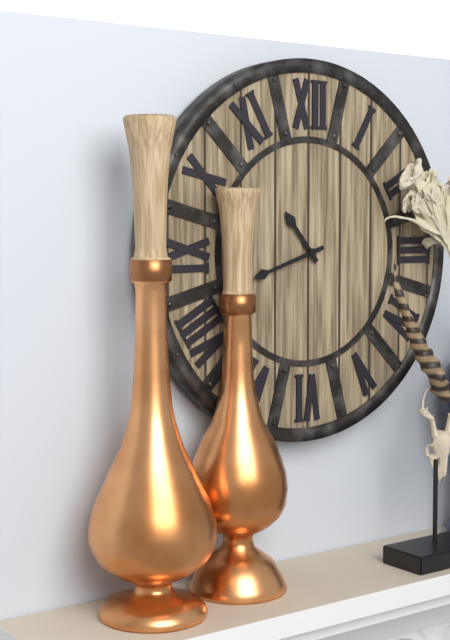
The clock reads 10.42
